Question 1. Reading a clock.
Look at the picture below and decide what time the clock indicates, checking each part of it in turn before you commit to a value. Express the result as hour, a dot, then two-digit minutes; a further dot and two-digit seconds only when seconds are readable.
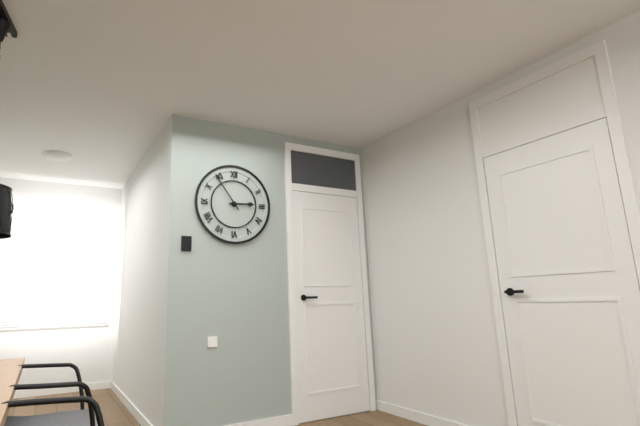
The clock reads 2.54
